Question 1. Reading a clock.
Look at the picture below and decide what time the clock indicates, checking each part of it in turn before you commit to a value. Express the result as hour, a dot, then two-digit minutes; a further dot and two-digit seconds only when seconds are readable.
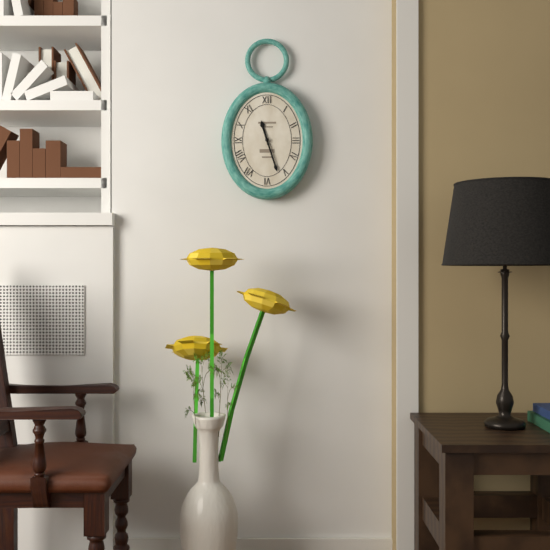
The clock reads 11.27
